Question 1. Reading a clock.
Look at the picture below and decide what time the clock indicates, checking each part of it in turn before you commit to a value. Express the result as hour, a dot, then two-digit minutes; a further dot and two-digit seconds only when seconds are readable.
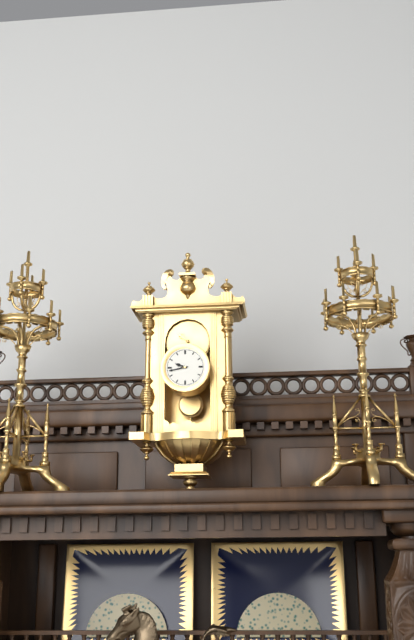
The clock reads 9.43
